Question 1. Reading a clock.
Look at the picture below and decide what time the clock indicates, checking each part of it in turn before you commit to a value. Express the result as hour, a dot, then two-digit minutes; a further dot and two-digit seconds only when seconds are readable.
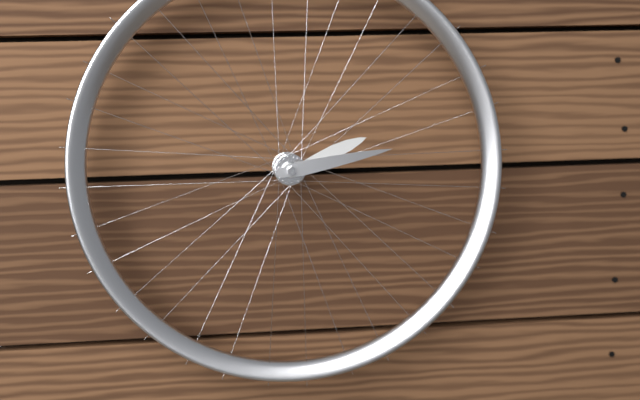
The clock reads 2.13
